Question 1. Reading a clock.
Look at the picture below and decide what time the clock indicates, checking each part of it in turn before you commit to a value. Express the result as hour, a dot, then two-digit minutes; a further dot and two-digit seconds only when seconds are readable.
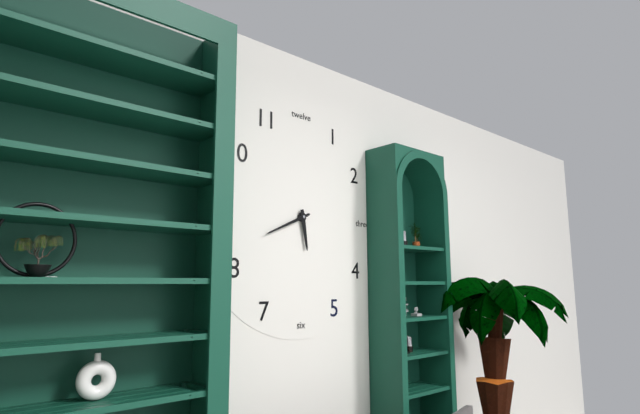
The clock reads 5.41
